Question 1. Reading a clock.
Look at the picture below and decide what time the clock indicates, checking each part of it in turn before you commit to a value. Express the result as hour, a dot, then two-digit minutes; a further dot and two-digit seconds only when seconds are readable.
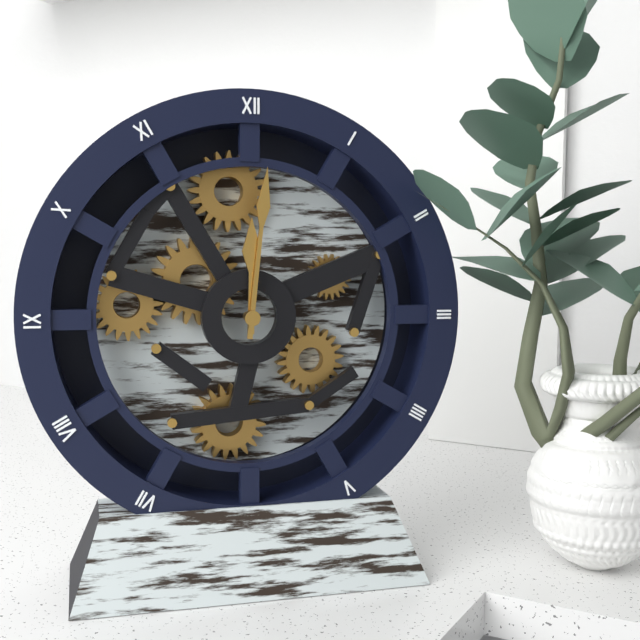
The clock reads 12.01
